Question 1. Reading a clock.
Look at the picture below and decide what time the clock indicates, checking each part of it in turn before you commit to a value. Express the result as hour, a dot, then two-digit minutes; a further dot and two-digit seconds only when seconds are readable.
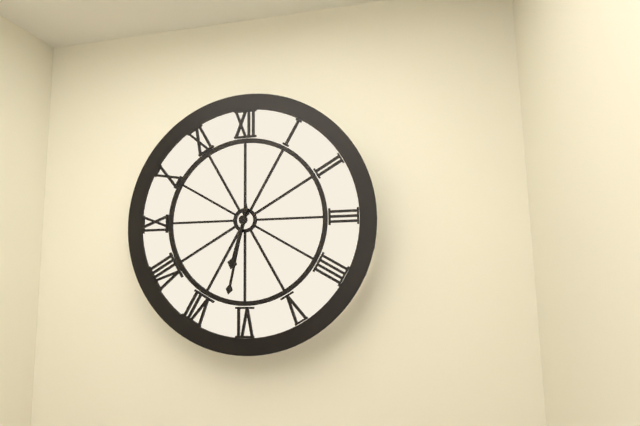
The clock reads 6.32
